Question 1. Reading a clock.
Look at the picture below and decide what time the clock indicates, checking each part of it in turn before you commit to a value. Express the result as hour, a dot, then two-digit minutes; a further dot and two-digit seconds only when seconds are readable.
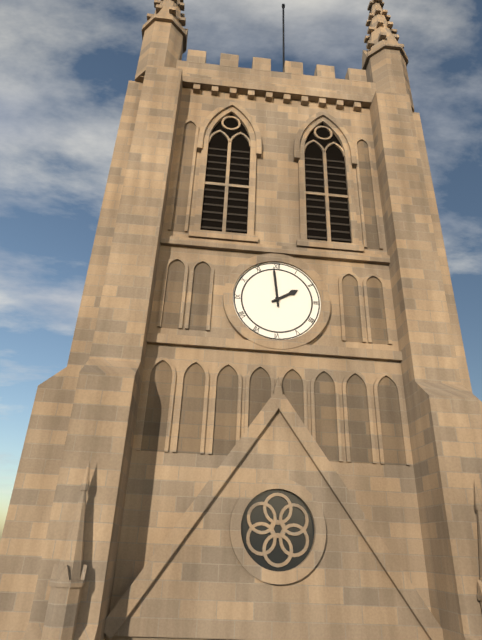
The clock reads 1.59
